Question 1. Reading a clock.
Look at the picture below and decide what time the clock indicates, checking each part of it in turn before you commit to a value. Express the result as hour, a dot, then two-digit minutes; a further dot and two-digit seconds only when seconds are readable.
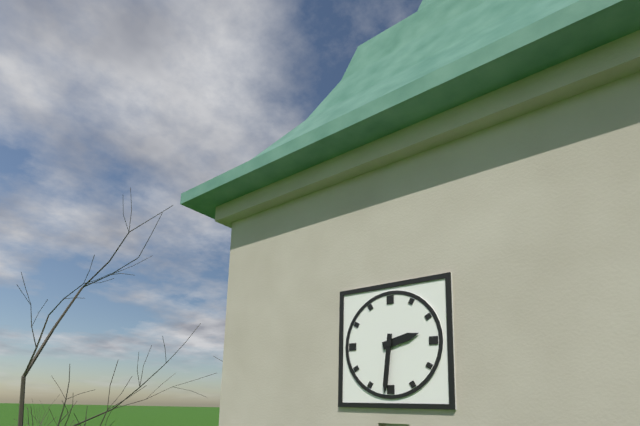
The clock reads 2.31
